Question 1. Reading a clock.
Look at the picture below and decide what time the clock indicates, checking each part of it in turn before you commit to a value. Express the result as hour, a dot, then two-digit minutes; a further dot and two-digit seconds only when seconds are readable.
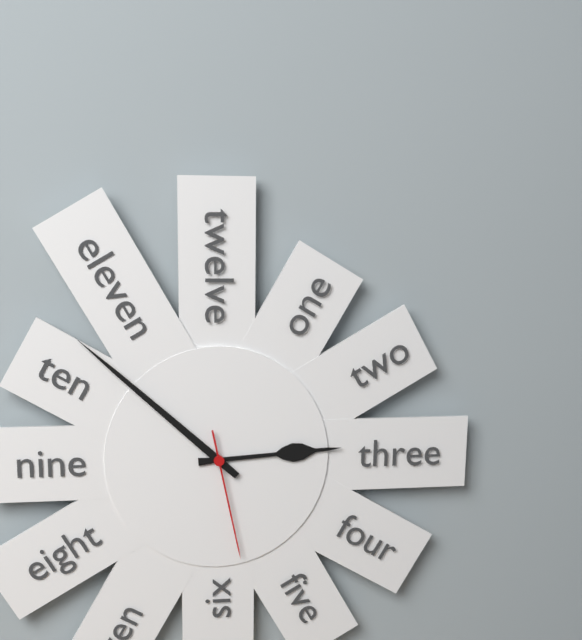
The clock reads 2.52.28
